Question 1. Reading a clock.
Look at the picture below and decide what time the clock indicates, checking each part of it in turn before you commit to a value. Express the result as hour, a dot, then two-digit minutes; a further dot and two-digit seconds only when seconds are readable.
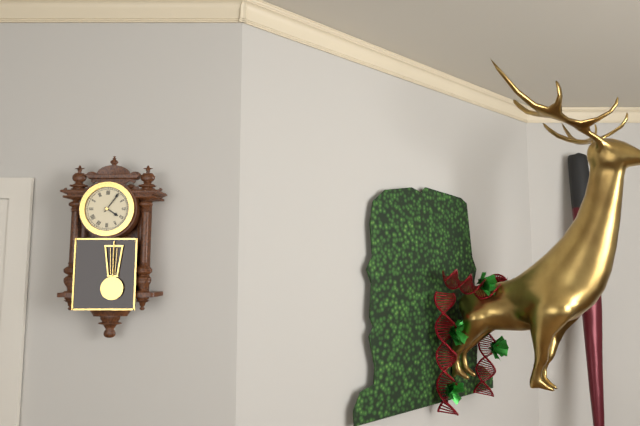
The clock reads 4.06
